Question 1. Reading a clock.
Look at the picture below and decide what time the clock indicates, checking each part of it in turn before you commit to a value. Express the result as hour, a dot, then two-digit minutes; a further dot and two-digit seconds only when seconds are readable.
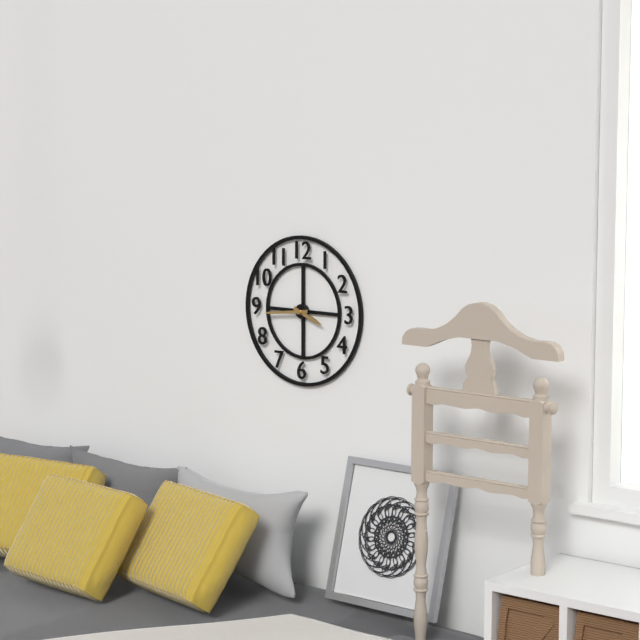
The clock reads 3.44
